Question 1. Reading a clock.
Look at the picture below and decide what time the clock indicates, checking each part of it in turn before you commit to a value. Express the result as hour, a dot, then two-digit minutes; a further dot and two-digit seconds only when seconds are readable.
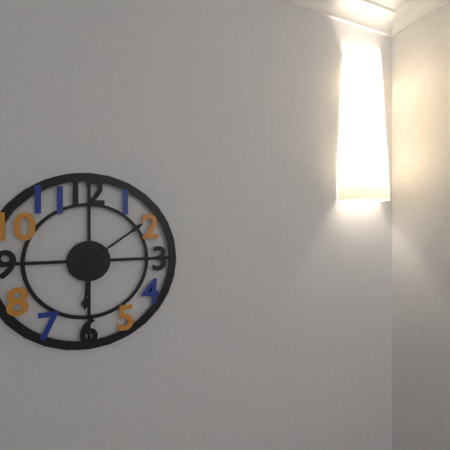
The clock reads 6.09
